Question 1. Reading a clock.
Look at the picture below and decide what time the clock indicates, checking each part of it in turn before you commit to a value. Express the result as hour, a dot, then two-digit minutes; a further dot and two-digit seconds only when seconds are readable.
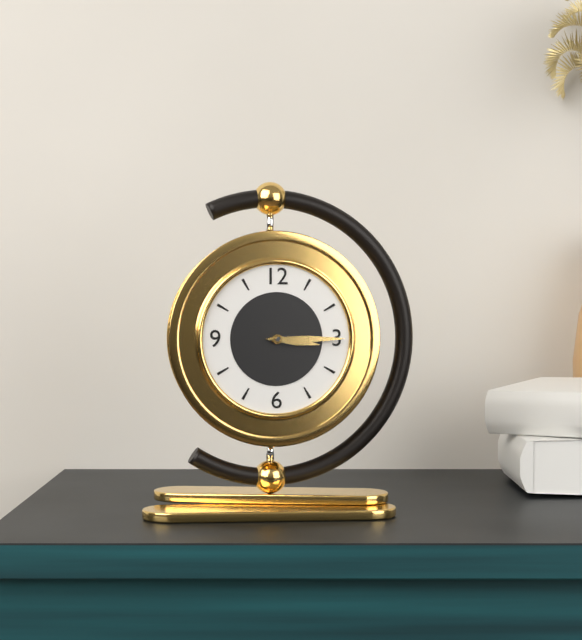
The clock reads 3.15
